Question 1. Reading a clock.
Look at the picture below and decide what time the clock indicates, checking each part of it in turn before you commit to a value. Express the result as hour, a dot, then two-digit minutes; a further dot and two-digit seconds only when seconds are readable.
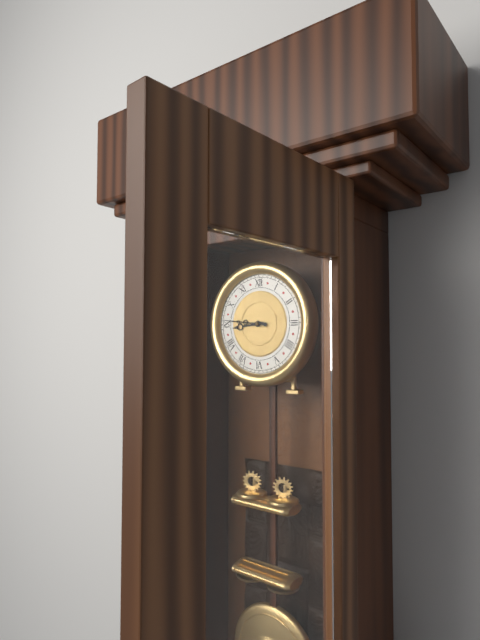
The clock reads 8.46
